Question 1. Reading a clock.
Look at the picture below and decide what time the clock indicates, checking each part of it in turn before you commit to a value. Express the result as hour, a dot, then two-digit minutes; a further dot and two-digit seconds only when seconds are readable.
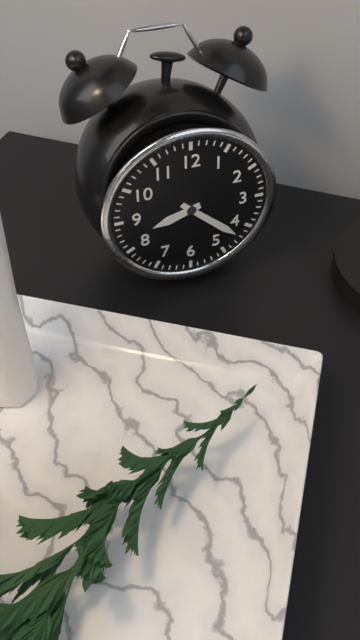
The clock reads 8.22
